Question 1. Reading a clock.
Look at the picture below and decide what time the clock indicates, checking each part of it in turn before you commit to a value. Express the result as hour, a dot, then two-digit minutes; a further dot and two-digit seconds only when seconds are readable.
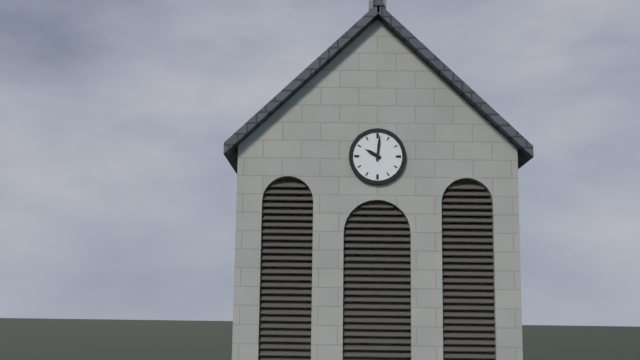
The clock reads 10.01
